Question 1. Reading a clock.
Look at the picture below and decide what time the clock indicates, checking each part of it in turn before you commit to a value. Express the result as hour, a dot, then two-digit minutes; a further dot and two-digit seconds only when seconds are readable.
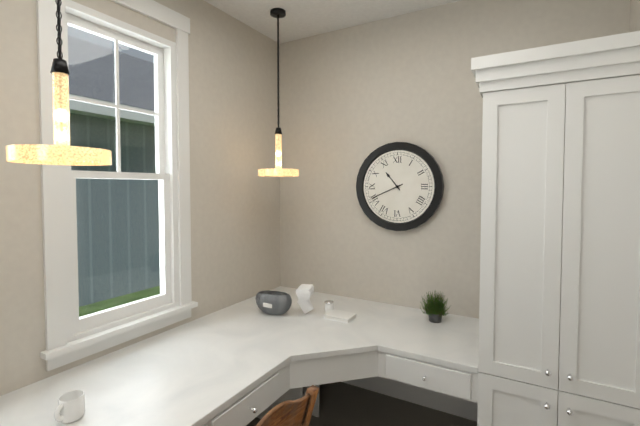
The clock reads 10.41
